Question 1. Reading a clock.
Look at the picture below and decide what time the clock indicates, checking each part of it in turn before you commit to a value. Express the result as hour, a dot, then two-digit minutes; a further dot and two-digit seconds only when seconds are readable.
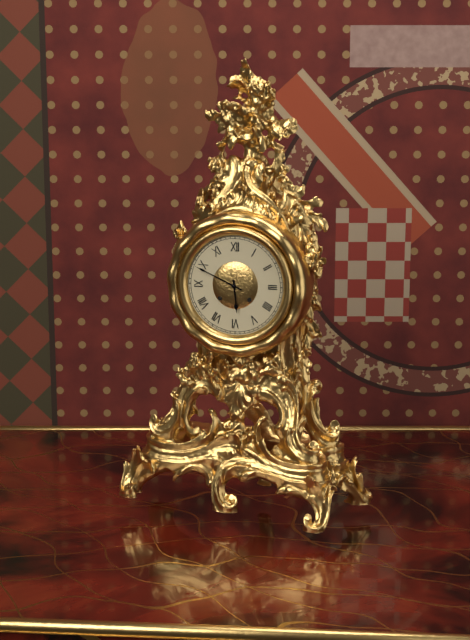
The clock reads 5.49
